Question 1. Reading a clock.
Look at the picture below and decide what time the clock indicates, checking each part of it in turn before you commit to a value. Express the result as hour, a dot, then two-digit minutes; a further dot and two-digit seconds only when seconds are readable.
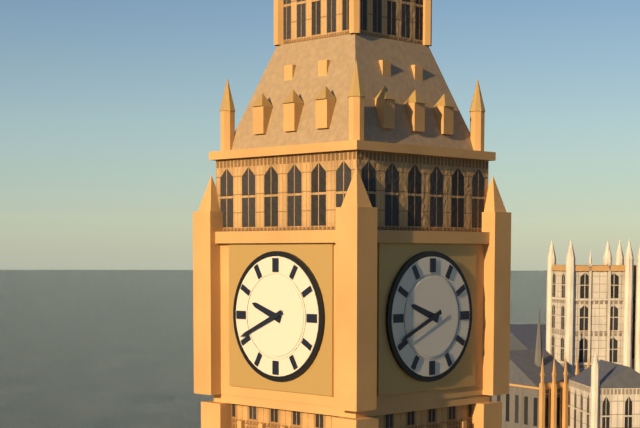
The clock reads 9.41
